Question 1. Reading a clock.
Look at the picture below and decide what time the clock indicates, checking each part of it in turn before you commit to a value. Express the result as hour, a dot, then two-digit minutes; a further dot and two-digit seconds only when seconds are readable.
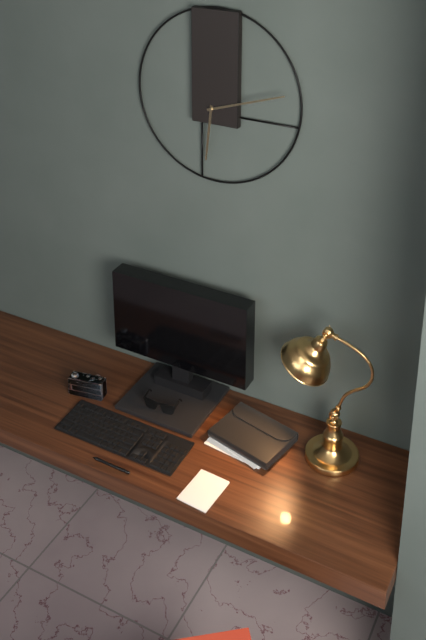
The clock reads 6.12
